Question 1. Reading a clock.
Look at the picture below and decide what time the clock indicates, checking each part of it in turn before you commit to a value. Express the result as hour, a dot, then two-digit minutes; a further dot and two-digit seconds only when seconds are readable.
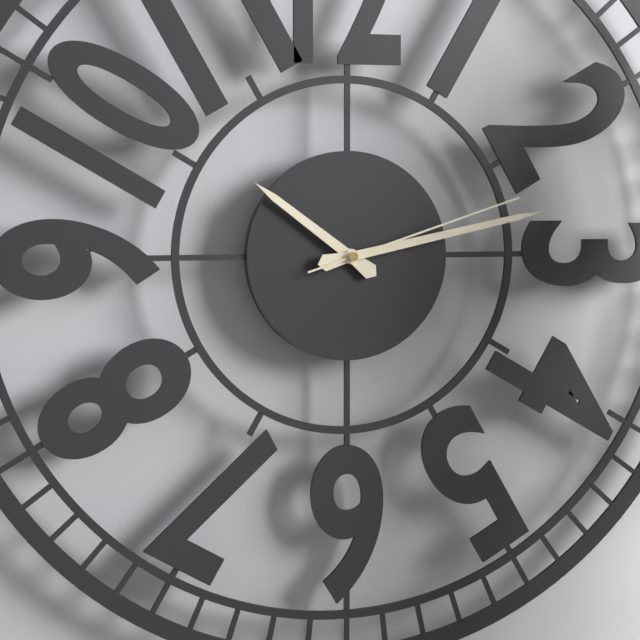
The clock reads 10.13.12
